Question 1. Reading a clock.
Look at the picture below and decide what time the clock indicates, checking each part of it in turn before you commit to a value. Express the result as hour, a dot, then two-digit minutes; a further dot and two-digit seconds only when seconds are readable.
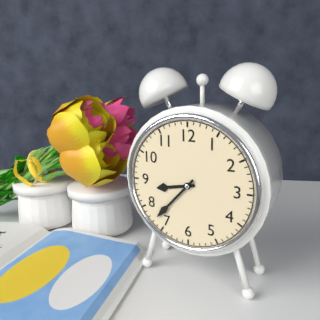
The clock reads 8.37
